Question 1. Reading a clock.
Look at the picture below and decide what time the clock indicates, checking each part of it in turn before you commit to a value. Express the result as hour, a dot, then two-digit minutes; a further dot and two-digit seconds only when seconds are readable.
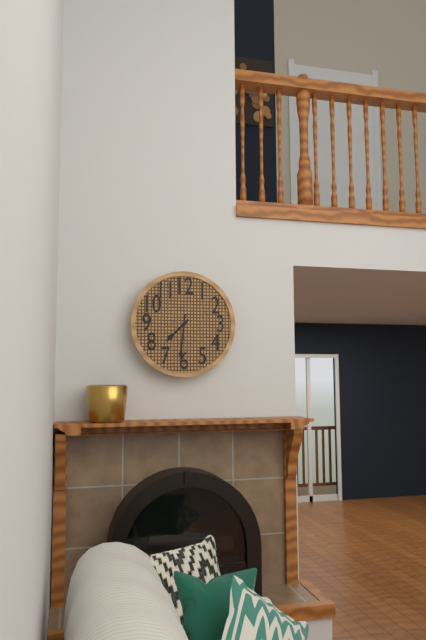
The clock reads 7.31
